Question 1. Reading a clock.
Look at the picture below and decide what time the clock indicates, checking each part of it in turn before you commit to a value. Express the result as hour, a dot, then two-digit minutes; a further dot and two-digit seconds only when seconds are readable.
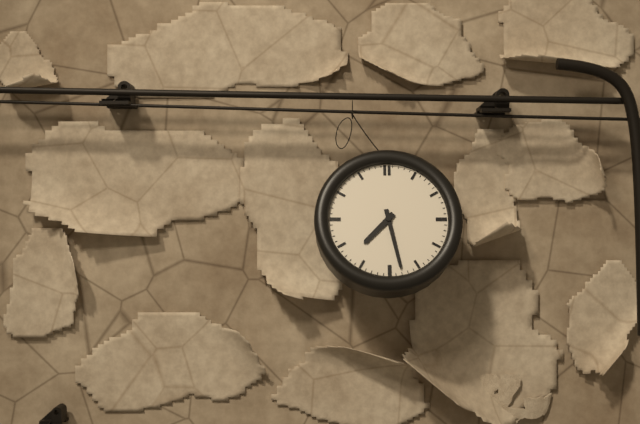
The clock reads 7.28
